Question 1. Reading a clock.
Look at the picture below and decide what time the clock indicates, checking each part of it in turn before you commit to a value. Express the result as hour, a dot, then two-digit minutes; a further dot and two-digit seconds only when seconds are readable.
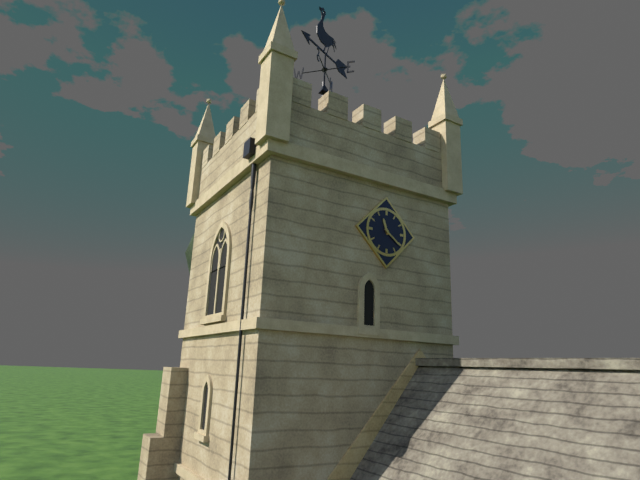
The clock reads 11.21
